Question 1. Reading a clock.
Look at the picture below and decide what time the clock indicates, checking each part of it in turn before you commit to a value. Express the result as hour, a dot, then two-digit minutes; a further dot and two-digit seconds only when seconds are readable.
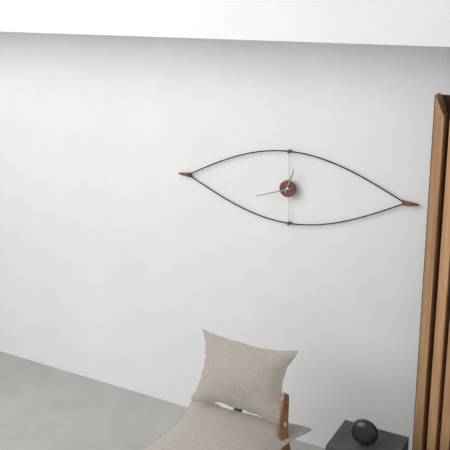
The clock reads 12.42
